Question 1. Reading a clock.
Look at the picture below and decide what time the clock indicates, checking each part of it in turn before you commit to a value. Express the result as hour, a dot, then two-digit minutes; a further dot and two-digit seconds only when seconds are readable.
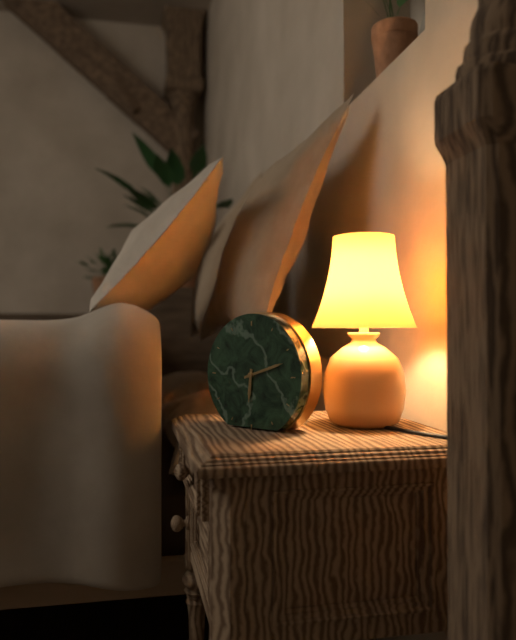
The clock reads 6.12
